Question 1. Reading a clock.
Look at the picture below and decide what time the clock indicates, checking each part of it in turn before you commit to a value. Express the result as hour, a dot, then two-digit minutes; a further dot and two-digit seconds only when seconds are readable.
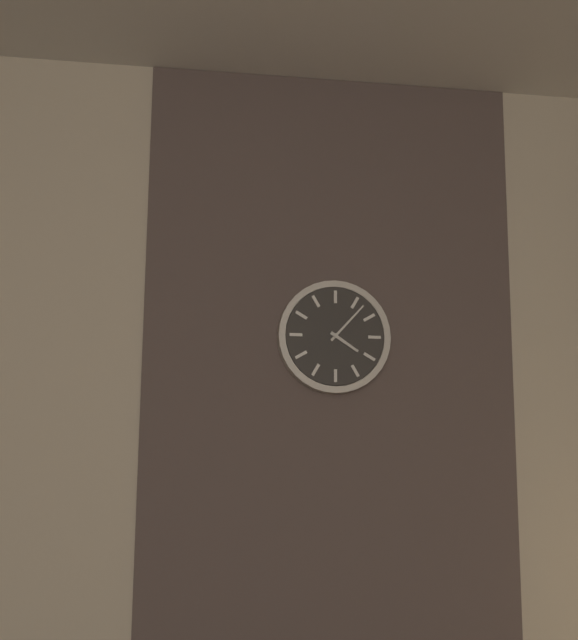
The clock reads 4.07
